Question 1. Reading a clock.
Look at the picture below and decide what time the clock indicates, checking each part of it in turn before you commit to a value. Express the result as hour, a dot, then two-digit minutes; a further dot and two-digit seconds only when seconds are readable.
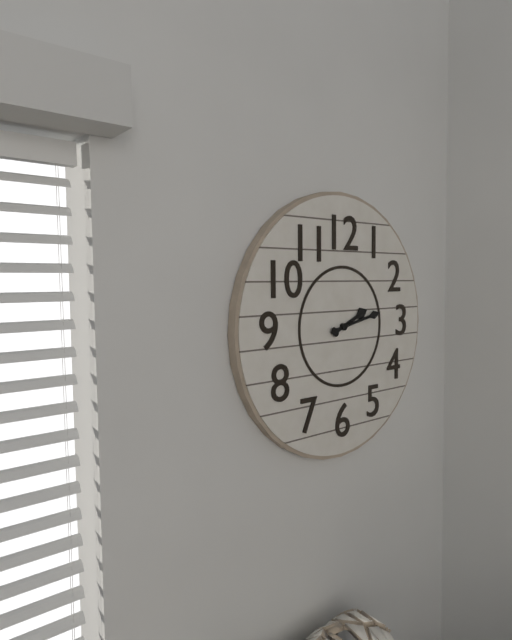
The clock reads 2.13
